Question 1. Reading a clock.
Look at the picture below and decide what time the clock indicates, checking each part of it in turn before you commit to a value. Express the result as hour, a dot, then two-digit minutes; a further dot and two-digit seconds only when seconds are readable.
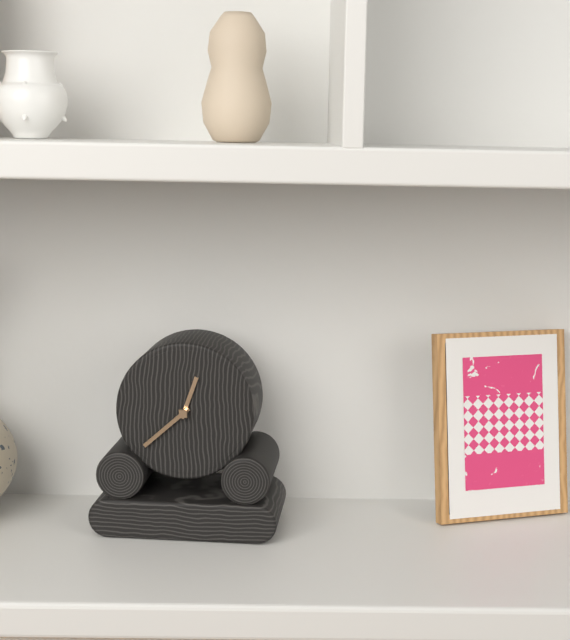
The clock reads 12.38
